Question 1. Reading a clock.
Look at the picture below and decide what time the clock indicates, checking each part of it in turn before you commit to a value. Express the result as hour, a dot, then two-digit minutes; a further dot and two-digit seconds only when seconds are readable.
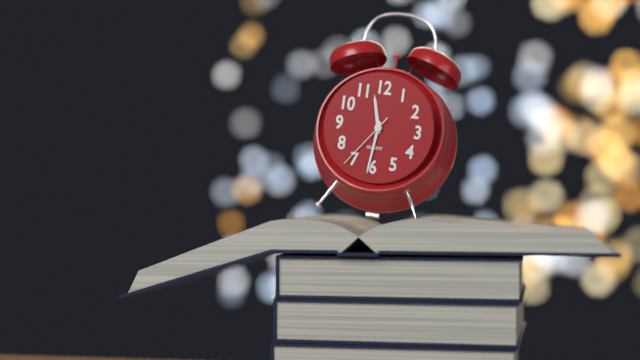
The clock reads 11.31.36
